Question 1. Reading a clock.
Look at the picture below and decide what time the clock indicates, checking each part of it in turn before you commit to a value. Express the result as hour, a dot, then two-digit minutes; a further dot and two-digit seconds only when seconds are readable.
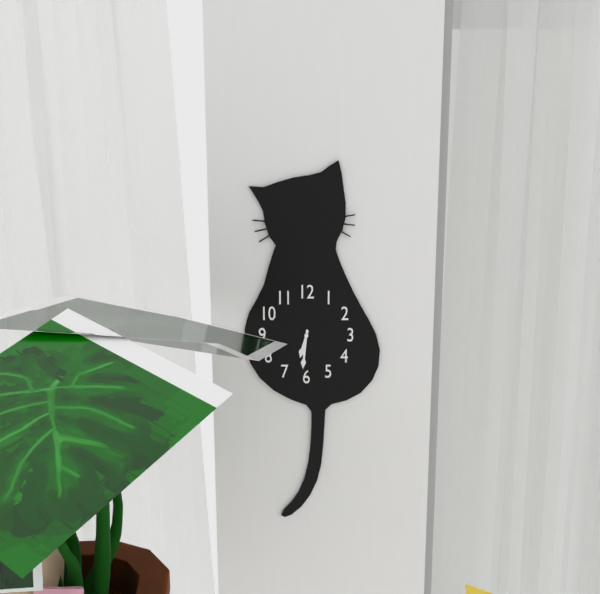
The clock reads 6.31
